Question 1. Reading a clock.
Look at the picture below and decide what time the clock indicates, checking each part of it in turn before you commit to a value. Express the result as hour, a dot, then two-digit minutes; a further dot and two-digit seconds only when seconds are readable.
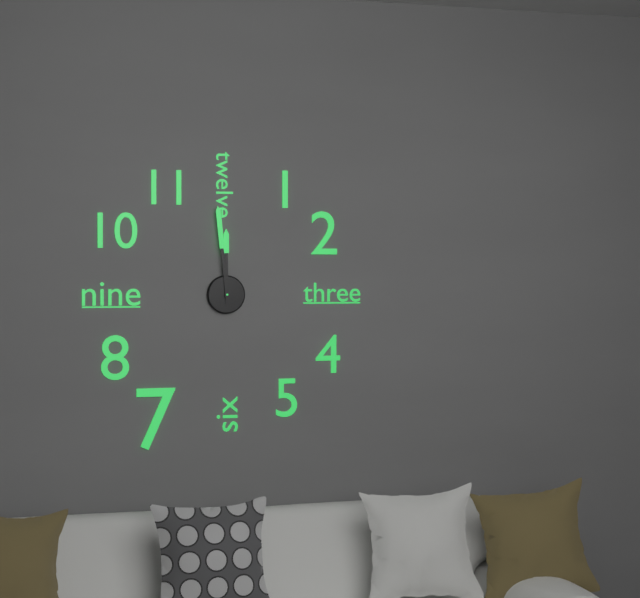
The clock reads 11.59
